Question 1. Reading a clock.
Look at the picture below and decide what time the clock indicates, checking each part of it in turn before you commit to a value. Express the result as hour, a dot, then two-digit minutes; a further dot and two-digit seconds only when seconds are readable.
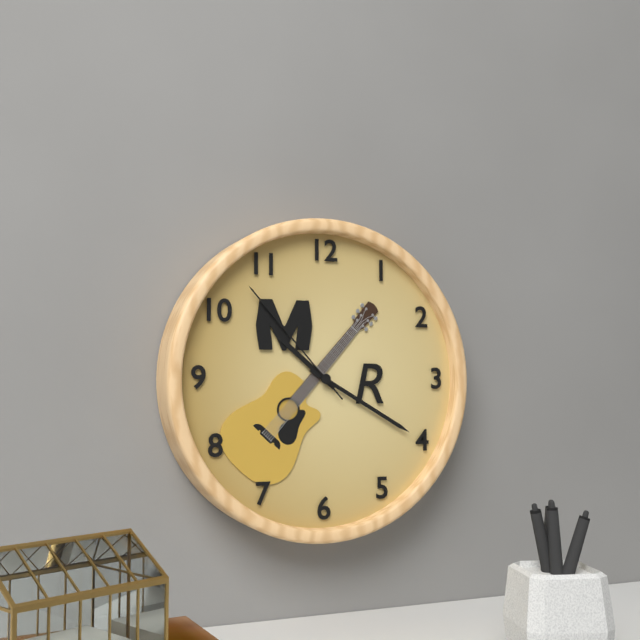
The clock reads 10.20.53
